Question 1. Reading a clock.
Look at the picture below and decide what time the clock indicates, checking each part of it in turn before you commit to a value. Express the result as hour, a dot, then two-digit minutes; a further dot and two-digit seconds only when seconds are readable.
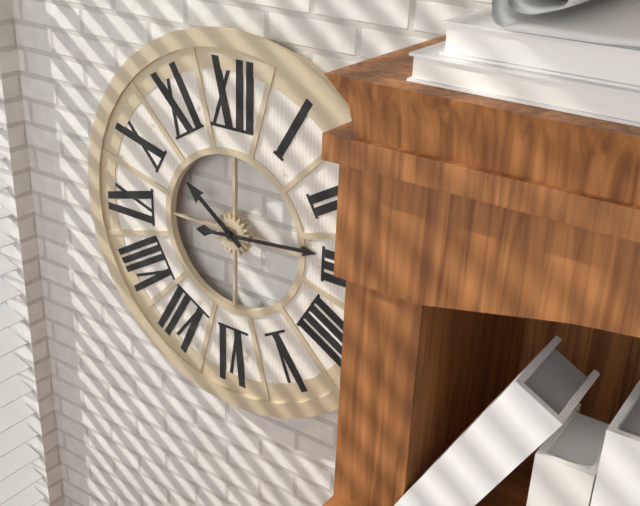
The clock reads 10.14
